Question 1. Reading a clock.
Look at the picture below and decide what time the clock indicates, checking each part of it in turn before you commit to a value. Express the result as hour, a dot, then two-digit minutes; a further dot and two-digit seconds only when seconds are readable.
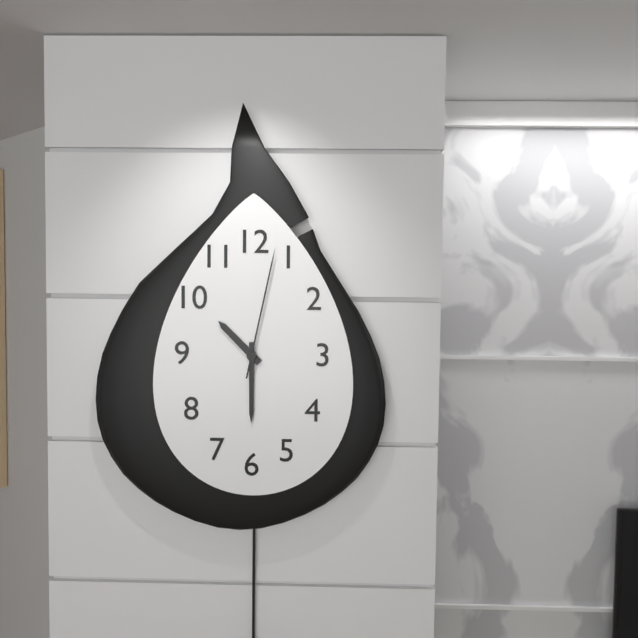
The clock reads 10.30.02
